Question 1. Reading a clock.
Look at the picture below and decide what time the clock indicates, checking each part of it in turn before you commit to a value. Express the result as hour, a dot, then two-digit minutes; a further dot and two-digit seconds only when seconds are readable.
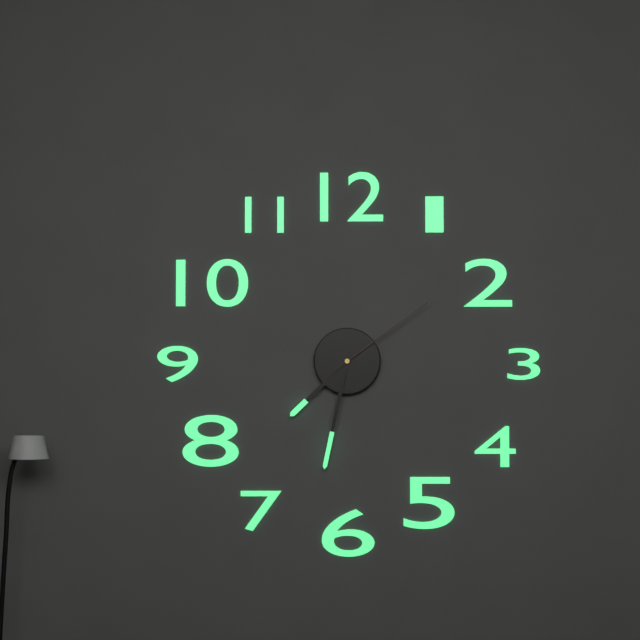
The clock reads 7.32.09
